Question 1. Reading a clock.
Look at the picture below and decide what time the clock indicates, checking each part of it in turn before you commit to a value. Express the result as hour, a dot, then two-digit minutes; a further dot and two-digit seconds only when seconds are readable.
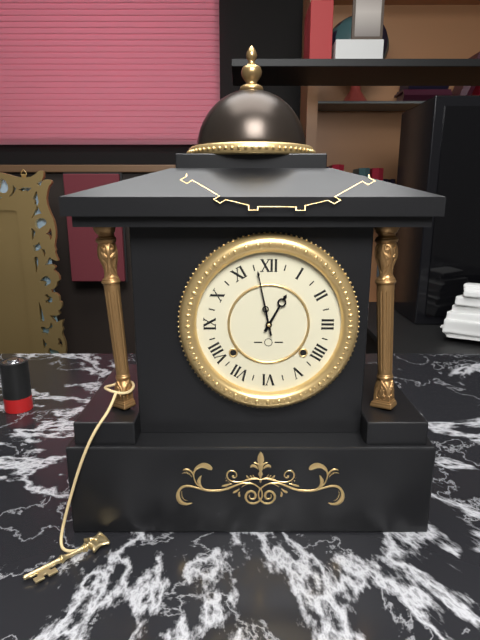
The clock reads 12.58
